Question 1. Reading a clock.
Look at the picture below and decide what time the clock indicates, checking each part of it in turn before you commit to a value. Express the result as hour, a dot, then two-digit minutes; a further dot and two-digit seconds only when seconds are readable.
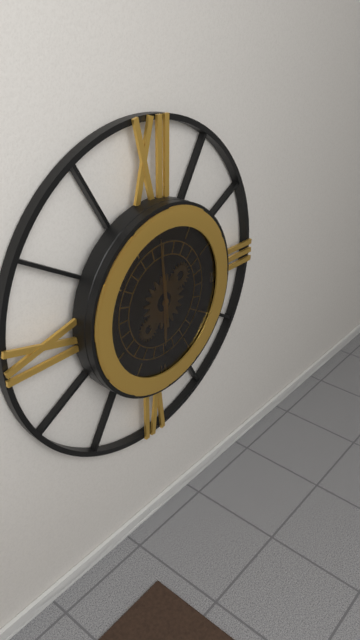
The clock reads 5.59
